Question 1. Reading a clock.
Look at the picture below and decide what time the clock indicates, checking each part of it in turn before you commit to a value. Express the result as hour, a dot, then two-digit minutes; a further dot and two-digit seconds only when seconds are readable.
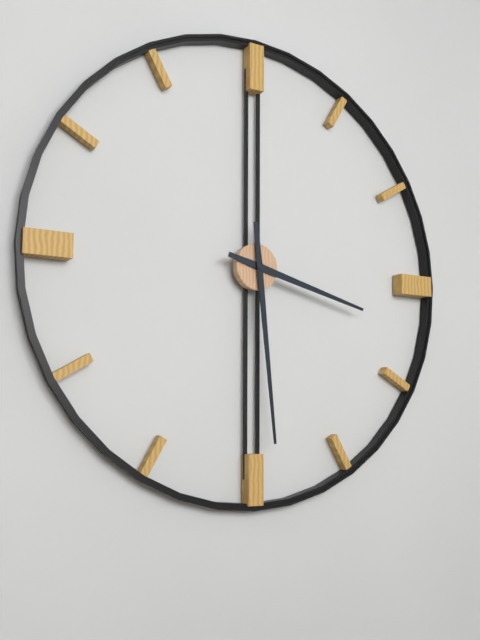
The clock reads 3.29
